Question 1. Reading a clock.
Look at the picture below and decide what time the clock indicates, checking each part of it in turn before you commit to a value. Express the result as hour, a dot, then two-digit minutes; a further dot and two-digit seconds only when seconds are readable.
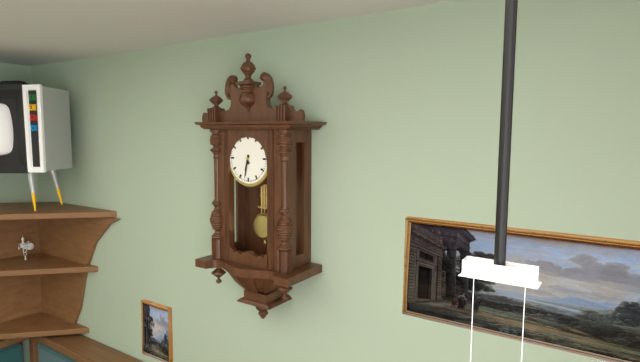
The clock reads 6.32
